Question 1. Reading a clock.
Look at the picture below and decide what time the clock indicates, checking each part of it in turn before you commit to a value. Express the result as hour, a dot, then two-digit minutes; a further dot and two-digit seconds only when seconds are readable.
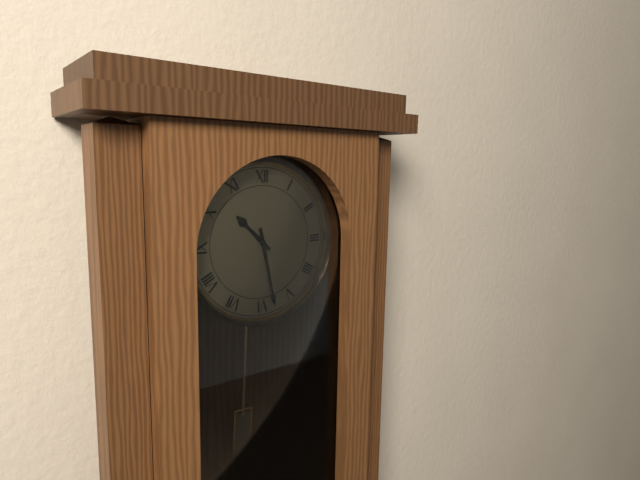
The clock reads 10.28
